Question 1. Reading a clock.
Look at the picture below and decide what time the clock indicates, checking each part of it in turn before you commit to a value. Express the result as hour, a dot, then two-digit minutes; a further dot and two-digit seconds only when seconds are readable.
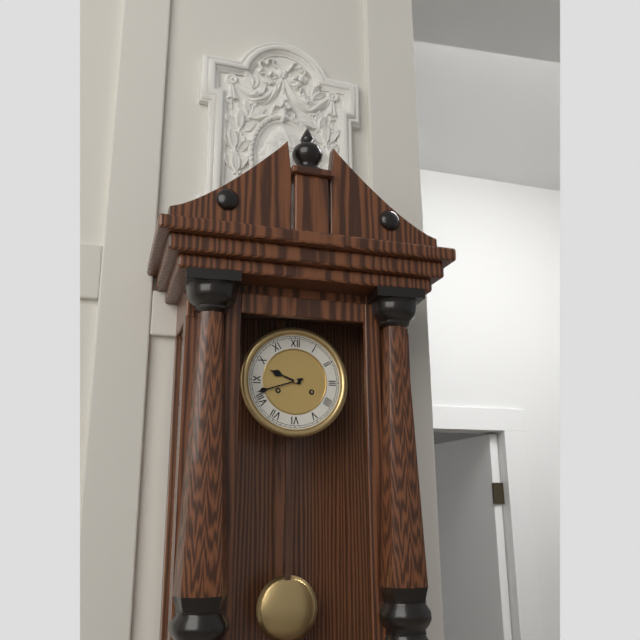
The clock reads 9.42
